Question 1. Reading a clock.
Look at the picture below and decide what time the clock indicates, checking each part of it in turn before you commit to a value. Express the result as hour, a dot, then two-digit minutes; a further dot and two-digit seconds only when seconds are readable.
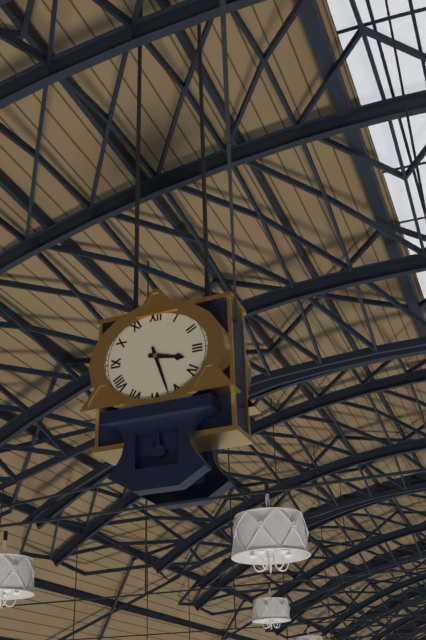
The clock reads 3.27
